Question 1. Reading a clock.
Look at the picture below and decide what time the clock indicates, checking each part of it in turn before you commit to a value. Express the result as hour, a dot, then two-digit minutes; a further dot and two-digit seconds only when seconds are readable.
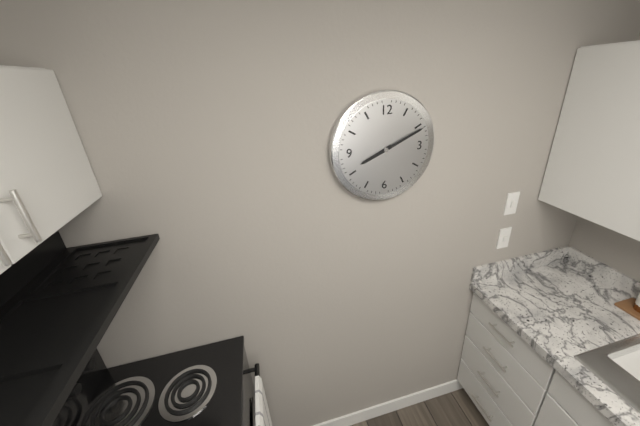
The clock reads 8.11
